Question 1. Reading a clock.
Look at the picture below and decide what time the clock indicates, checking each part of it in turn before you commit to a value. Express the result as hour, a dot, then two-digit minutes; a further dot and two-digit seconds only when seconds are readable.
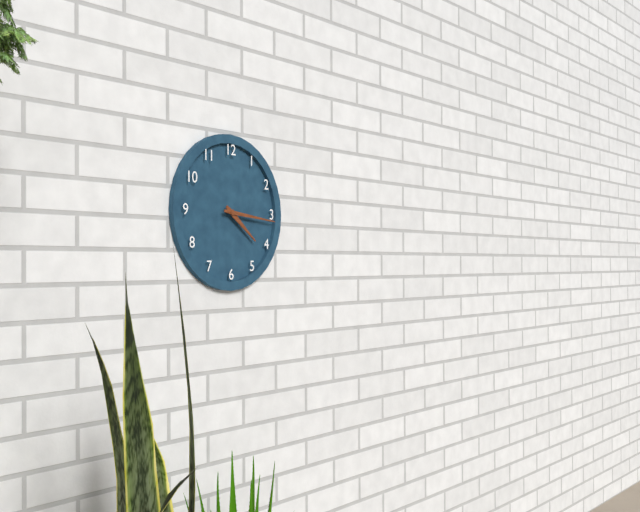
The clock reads 4.16
